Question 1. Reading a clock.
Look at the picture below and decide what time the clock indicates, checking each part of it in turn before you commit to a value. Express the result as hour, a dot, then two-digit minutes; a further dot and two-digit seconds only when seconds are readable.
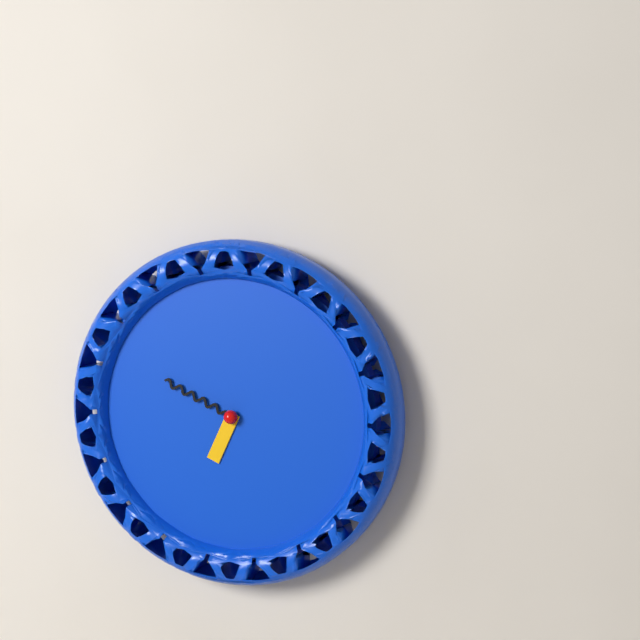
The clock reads 6.49
